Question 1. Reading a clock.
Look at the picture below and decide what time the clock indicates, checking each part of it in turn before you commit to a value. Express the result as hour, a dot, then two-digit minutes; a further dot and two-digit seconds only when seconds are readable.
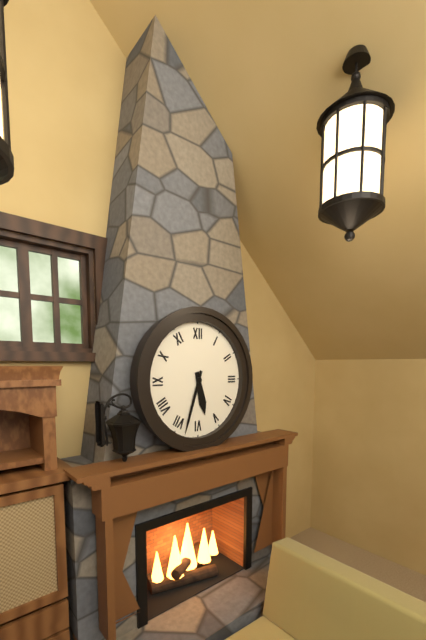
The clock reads 5.33
